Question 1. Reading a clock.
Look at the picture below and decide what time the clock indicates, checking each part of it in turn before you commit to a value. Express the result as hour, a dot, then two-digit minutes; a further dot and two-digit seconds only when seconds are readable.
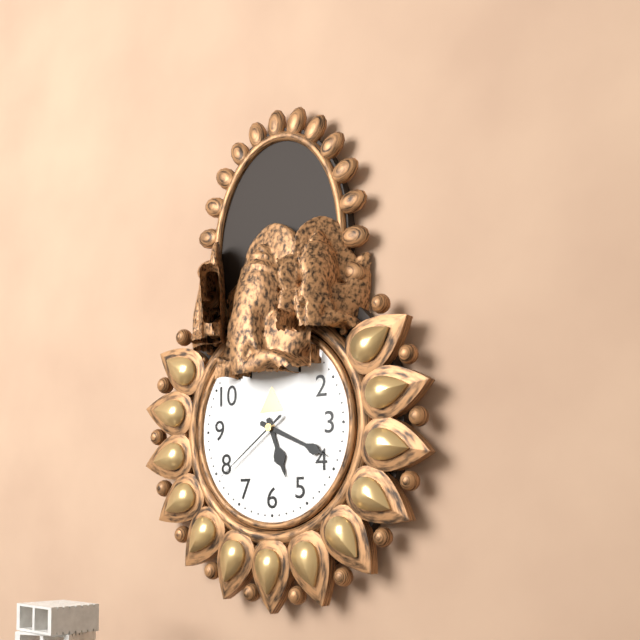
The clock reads 5.19.39
